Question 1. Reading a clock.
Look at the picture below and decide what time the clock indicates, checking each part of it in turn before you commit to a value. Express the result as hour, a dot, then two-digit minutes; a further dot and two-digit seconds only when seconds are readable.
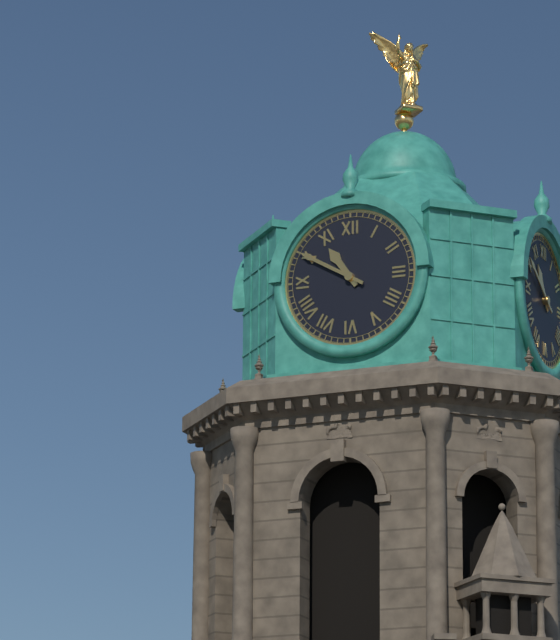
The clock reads 10.50
